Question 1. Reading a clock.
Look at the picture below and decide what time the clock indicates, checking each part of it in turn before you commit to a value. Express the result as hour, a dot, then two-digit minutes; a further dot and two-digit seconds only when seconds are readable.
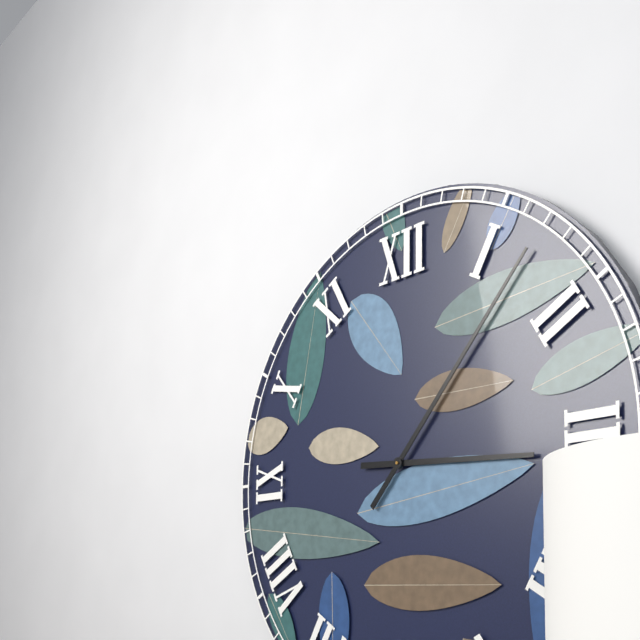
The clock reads 3.07
